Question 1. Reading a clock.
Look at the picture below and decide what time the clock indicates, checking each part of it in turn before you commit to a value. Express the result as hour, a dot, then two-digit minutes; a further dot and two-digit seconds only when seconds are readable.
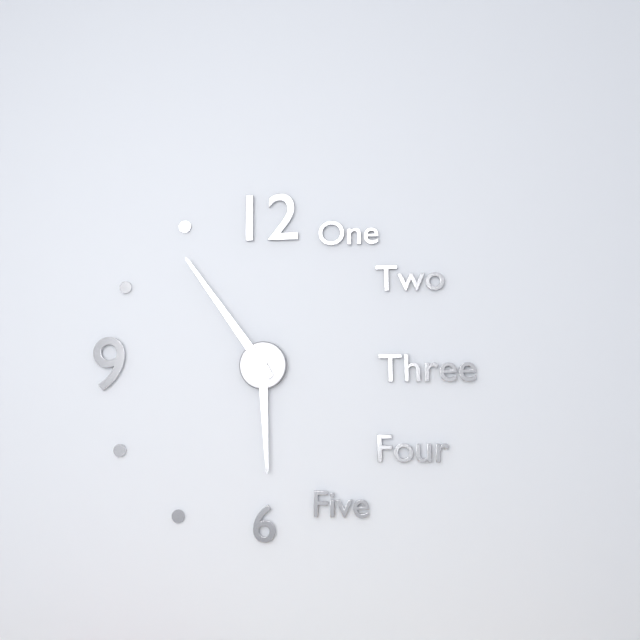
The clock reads 5.54
